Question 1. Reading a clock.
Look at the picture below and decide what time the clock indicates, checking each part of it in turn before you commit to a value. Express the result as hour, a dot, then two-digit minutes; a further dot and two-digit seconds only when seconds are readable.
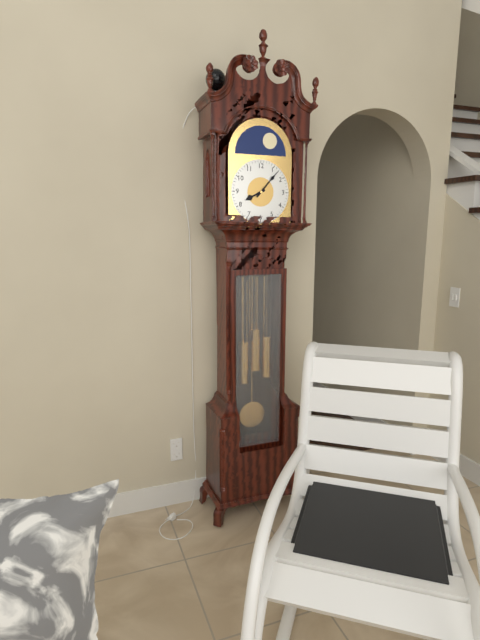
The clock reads 8.07
